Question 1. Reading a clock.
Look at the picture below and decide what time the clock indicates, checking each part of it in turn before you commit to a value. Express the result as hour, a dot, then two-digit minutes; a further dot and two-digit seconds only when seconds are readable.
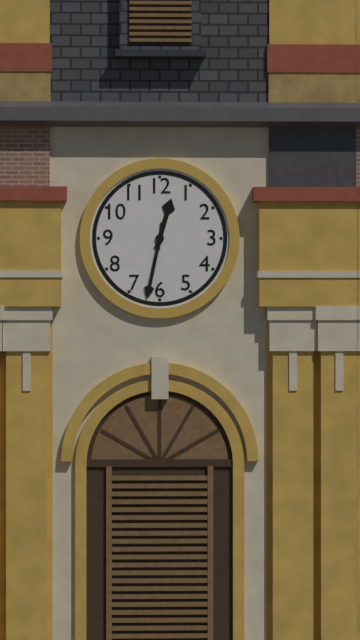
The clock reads 12.32
